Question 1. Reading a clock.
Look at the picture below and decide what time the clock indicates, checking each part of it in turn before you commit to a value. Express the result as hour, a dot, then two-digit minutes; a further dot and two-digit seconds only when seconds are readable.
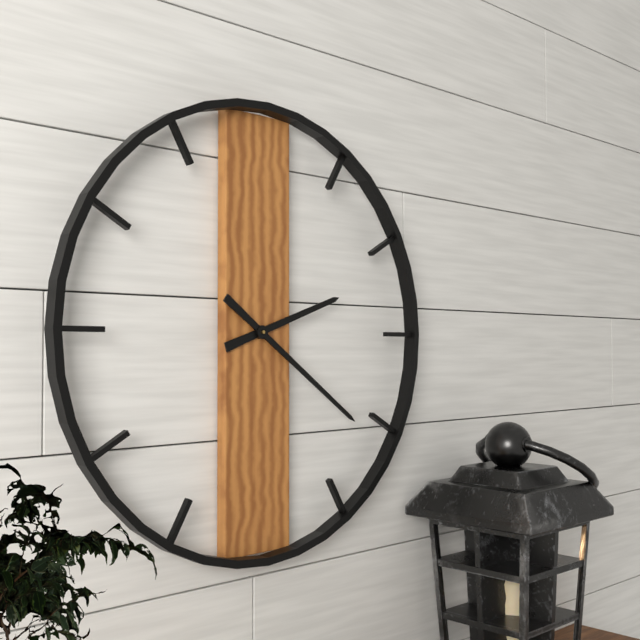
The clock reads 2.21
